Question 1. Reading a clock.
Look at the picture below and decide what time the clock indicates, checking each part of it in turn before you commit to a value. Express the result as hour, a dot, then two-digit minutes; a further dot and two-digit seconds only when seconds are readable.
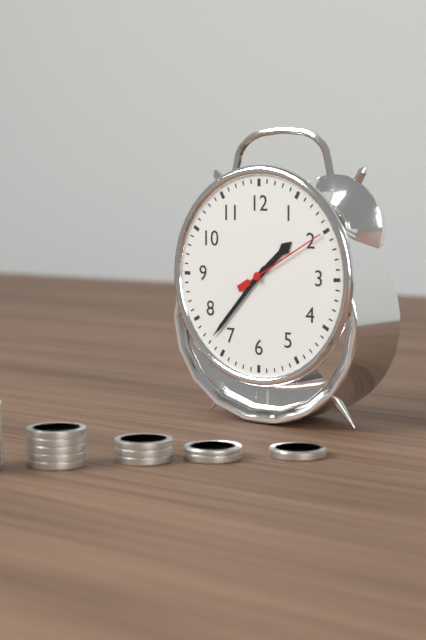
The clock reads 1.37.10
